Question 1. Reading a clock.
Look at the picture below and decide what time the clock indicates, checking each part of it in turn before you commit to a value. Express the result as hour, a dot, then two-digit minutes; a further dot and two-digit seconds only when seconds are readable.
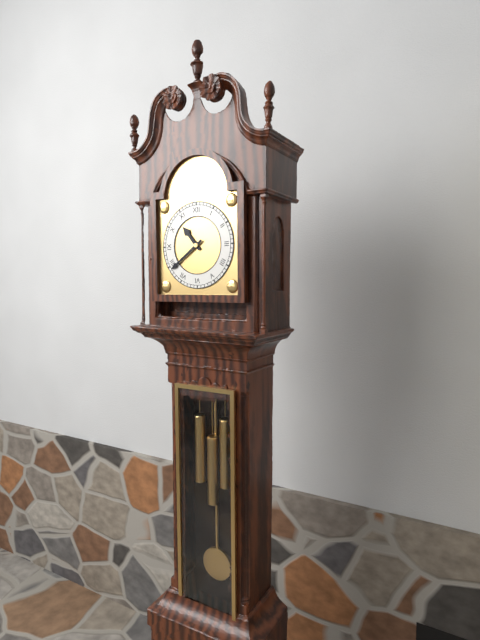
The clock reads 10.39
